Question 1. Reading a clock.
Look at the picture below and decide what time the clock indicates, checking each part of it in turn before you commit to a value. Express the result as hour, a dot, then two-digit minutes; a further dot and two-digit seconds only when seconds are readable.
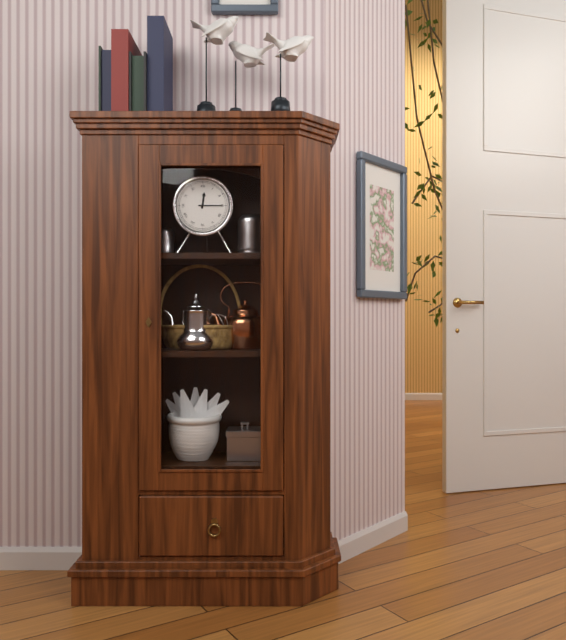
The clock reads 12.15
